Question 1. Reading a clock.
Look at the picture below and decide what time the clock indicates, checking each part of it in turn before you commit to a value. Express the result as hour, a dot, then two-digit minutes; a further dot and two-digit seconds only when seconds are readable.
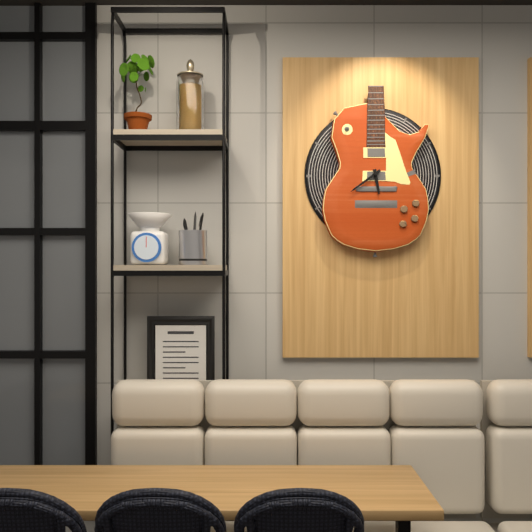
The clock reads 5.39
